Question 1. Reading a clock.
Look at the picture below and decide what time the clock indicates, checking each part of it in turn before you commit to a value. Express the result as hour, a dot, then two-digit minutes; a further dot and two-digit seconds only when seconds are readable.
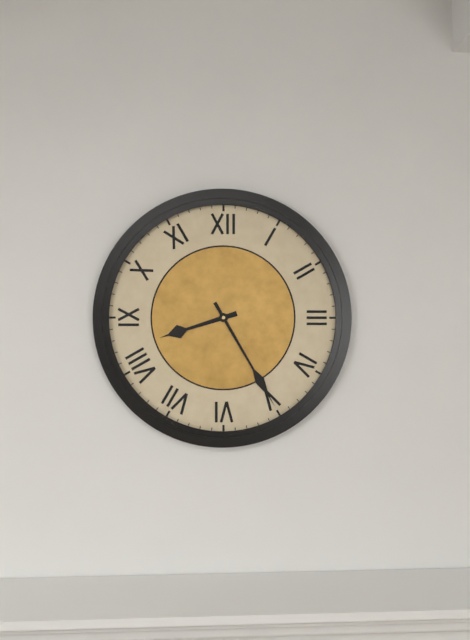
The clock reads 8.25
